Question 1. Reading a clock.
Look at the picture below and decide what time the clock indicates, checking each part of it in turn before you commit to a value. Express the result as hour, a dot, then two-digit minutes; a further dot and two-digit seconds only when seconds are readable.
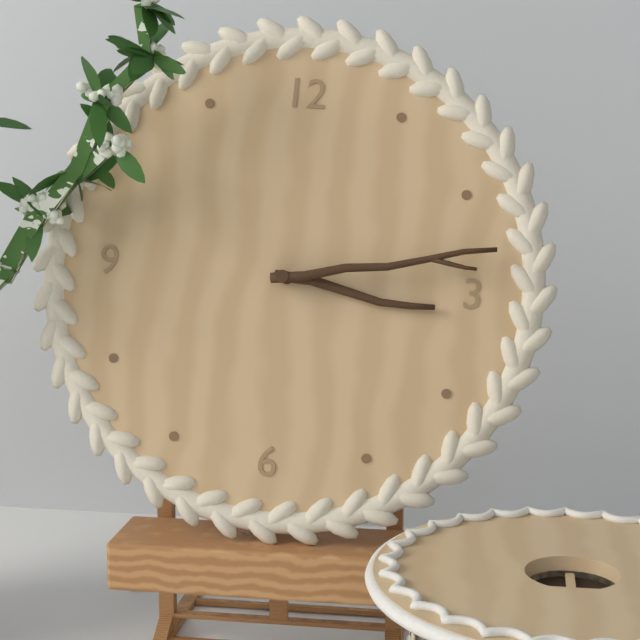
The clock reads 3.13
